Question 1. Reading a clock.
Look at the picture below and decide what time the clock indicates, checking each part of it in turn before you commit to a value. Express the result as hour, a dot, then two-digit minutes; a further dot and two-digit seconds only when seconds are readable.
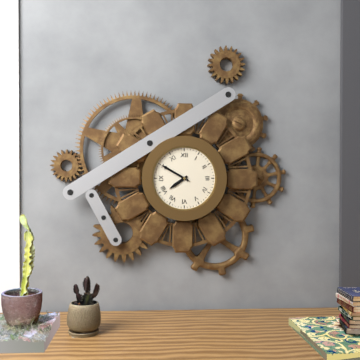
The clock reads 7.50
